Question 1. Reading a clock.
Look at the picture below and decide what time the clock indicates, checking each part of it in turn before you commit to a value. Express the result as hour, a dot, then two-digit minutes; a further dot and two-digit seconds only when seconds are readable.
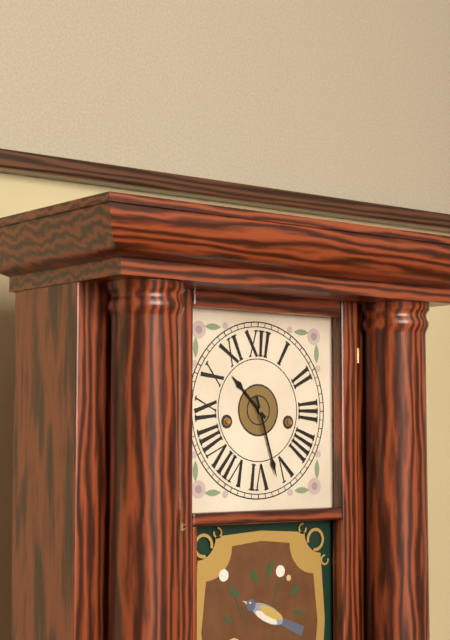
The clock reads 10.27
